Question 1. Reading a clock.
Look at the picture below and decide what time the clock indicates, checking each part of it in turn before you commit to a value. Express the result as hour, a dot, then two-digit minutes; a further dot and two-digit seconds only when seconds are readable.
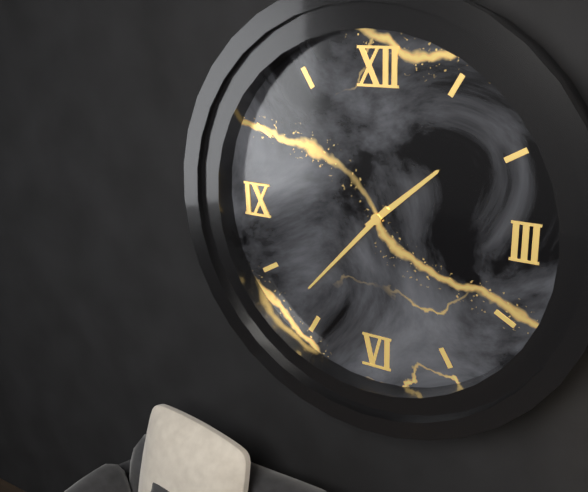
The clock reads 1.37
